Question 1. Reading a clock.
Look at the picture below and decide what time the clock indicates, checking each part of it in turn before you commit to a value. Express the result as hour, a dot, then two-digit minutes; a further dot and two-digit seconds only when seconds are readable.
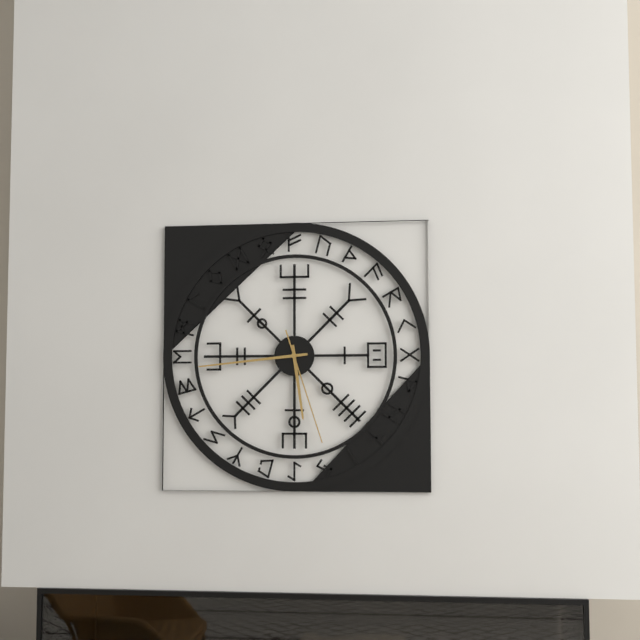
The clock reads 5.44.27
